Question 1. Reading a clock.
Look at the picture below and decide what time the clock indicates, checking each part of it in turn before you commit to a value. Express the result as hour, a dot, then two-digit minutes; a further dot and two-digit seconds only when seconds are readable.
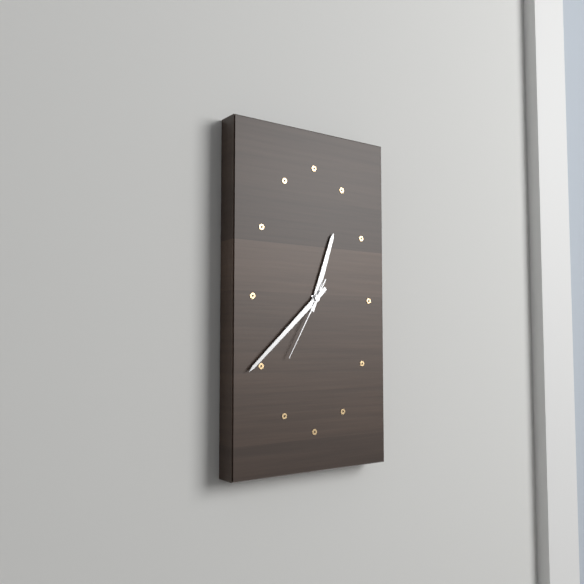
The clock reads 12.38.35
